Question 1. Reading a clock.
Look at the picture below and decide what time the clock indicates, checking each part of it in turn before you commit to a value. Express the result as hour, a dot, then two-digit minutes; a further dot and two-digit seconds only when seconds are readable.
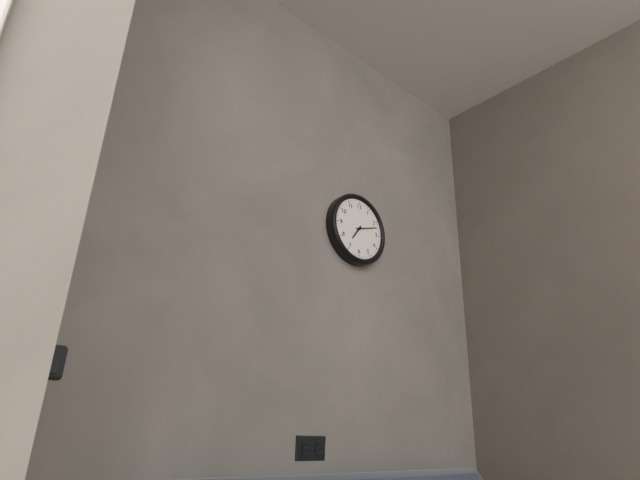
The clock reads 7.12
